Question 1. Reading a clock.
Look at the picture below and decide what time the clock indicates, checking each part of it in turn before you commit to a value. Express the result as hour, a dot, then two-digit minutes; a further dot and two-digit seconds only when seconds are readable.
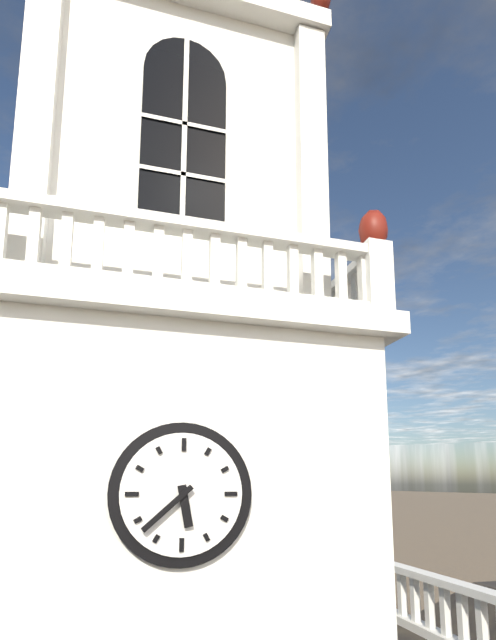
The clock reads 5.38
